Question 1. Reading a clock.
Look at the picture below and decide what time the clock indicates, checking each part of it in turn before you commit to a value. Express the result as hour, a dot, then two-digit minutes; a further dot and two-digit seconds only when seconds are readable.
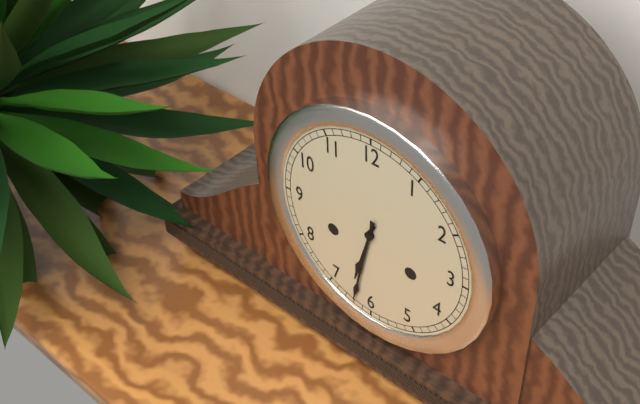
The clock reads 6.32
